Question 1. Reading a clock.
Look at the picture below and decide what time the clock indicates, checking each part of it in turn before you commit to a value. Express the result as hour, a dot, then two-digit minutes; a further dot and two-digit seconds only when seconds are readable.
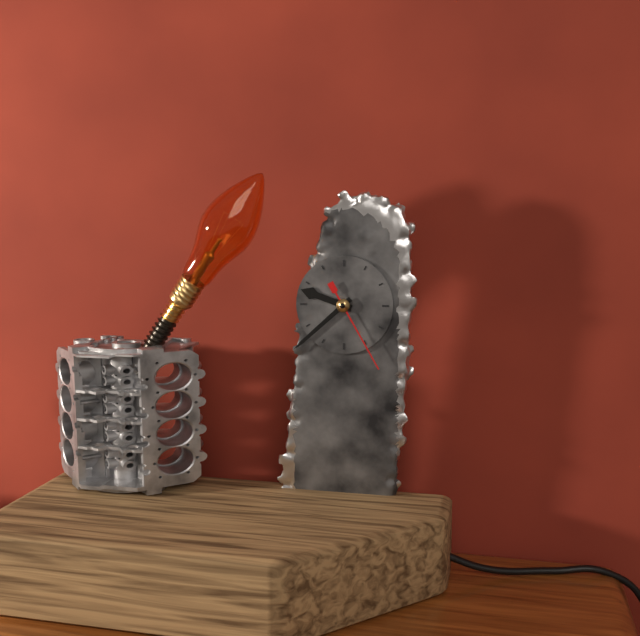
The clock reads 9.38.25
